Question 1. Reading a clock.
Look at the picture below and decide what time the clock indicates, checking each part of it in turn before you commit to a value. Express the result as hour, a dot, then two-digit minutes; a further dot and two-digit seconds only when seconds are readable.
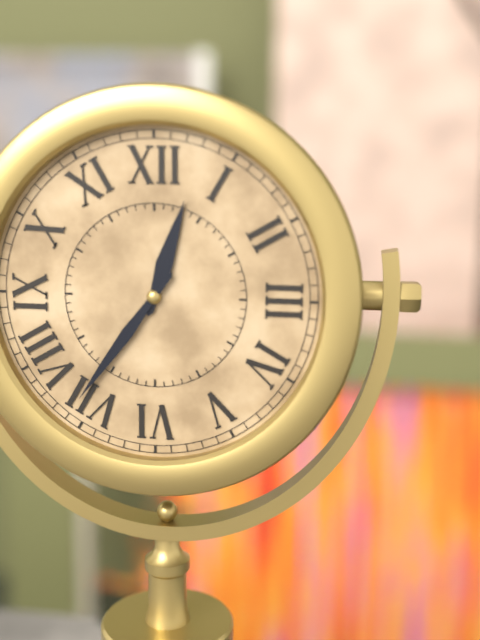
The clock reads 12.36
